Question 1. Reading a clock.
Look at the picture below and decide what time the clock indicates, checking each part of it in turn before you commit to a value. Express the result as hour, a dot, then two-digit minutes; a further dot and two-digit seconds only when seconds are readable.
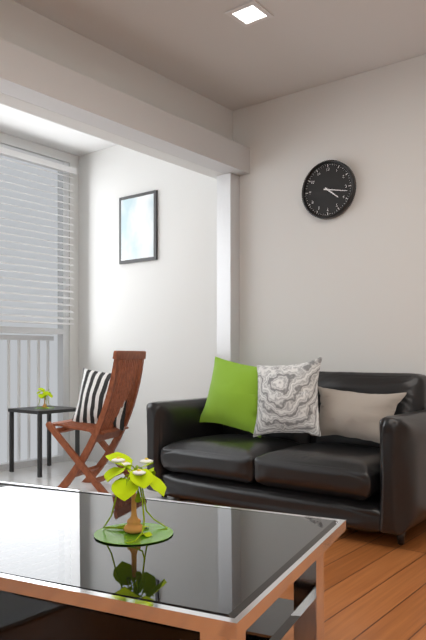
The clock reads 4.17
